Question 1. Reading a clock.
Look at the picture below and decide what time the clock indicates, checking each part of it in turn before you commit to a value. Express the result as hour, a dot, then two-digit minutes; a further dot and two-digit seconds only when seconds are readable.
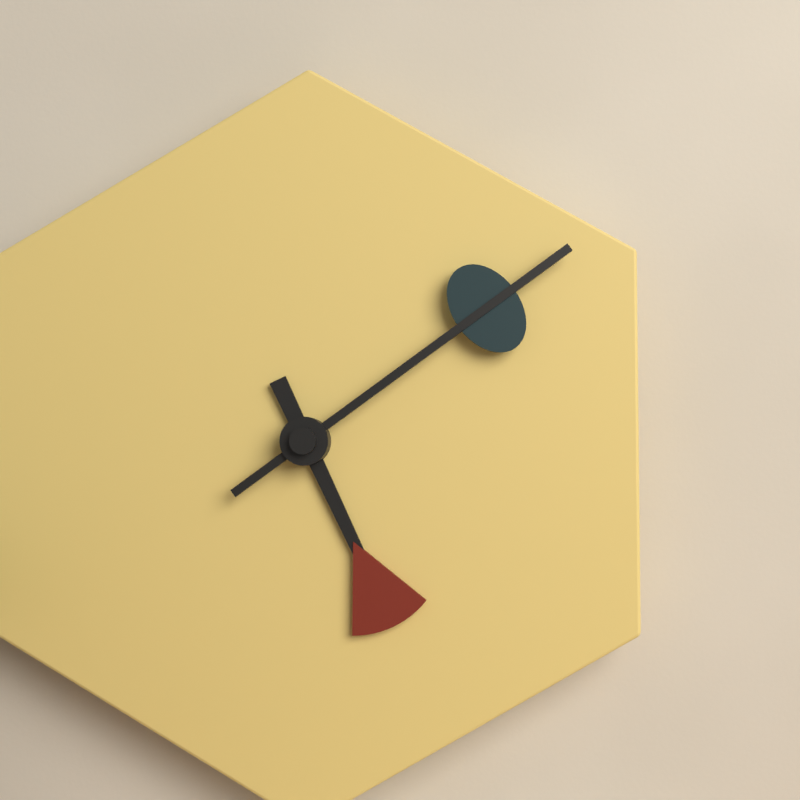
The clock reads 5.09
